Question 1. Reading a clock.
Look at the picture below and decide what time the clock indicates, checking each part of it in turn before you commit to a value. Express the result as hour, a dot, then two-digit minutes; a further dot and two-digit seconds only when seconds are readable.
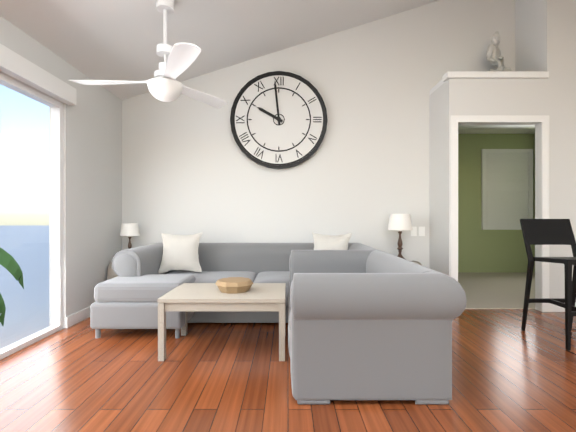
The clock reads 9.59
